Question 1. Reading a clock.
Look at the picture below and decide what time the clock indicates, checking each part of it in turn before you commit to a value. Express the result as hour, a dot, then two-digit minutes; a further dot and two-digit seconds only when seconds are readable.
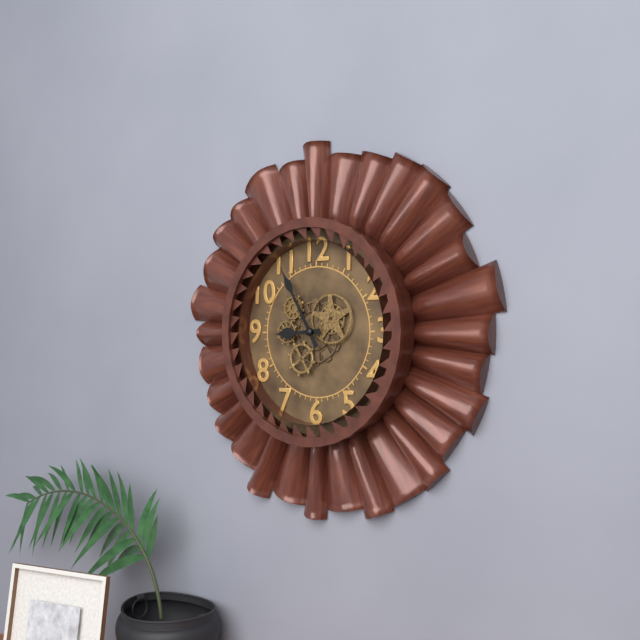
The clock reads 8.55
